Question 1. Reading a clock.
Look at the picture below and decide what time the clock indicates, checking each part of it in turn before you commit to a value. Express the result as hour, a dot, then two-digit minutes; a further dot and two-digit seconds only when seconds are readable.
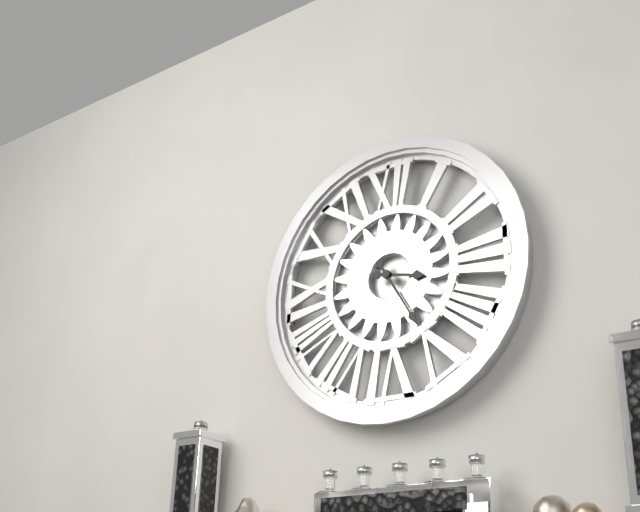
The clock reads 3.25
